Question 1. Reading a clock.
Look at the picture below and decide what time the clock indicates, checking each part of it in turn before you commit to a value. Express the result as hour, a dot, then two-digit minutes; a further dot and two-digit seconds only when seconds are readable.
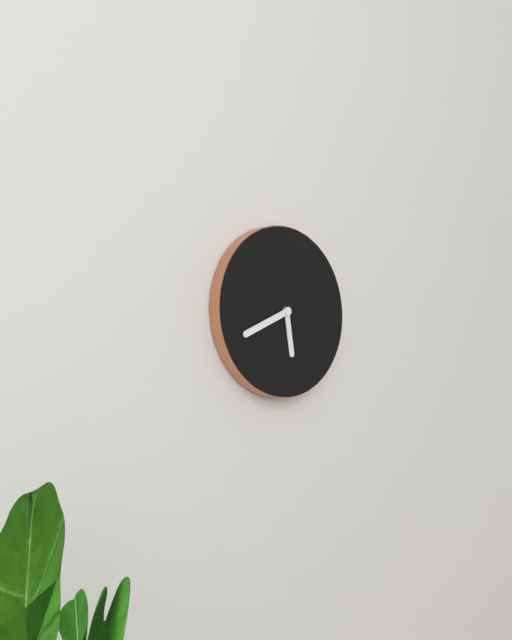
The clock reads 5.41
